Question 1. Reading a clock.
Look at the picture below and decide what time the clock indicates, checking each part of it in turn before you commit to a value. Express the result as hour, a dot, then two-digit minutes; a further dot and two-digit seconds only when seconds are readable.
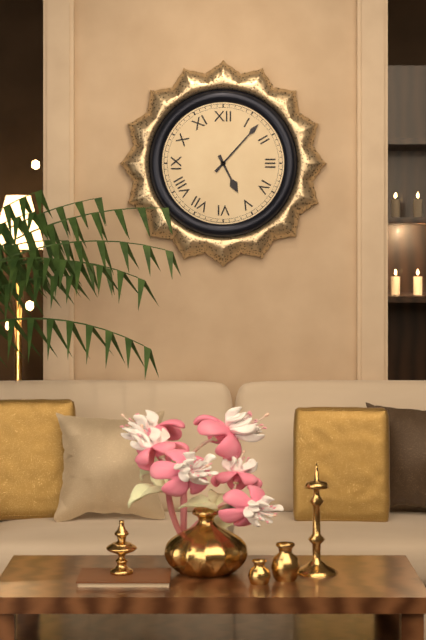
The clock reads 5.07
